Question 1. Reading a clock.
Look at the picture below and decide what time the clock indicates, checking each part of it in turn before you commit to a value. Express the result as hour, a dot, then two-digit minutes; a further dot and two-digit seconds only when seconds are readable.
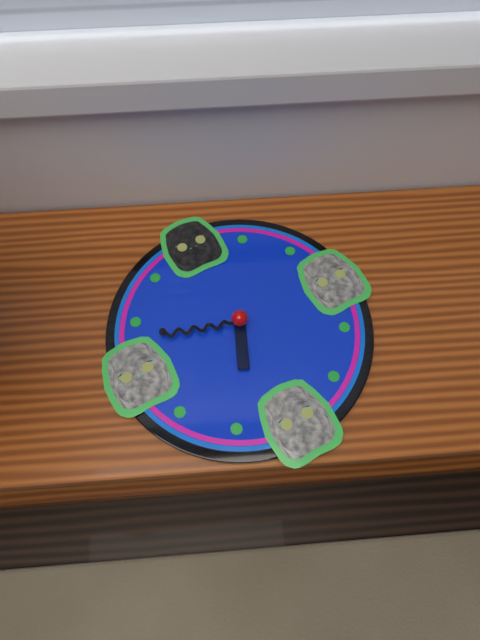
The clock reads 6.48
